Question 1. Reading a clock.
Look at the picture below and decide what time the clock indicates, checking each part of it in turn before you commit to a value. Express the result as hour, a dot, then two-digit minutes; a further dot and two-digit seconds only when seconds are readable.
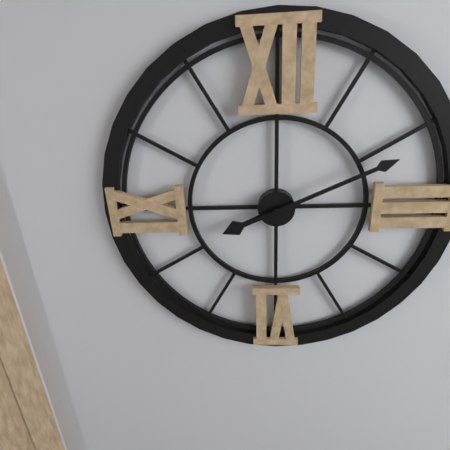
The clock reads 8.11
